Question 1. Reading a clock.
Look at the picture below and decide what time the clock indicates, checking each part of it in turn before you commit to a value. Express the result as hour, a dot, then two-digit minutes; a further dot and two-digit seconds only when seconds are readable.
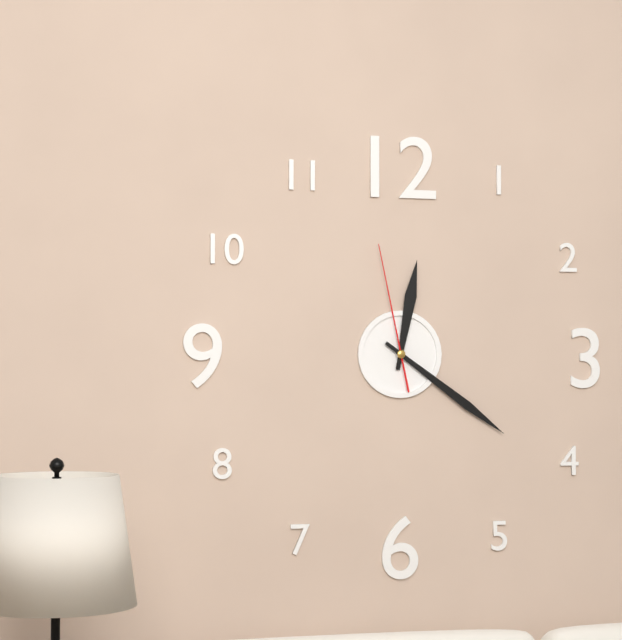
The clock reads 12.21.58
